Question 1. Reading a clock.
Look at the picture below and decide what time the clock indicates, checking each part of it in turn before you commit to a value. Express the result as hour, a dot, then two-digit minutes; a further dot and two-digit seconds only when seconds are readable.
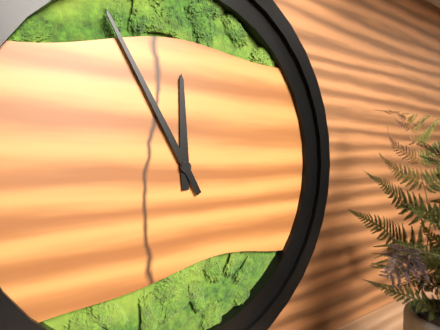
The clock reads 11.55
